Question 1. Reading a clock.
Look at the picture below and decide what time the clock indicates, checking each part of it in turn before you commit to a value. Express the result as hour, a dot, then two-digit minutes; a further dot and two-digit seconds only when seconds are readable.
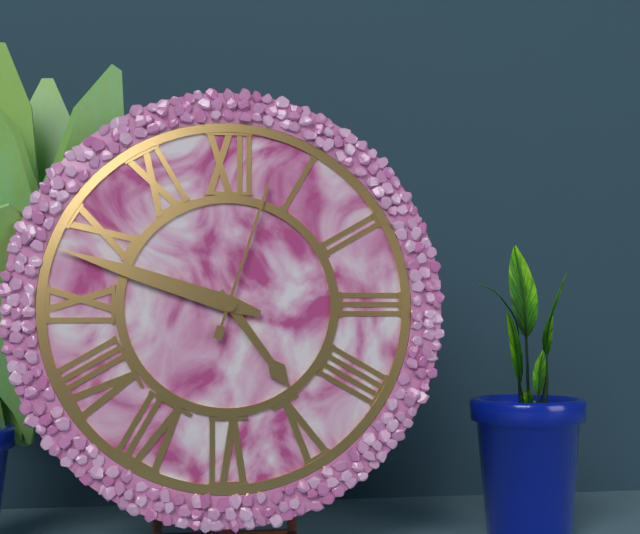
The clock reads 4.48.03
